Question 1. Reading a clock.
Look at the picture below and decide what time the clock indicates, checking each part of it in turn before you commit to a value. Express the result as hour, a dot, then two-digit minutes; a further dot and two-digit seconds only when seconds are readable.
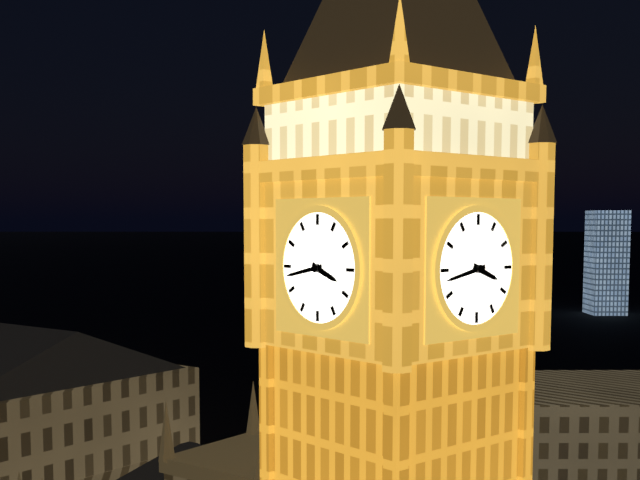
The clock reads 3.43
